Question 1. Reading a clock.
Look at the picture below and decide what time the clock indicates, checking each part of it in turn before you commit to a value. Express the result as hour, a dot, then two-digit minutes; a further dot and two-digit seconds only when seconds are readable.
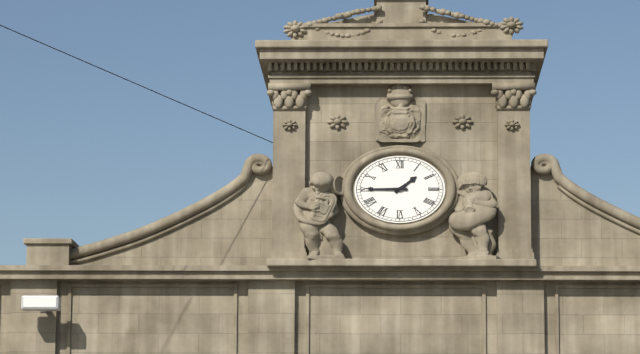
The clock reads 1.45
